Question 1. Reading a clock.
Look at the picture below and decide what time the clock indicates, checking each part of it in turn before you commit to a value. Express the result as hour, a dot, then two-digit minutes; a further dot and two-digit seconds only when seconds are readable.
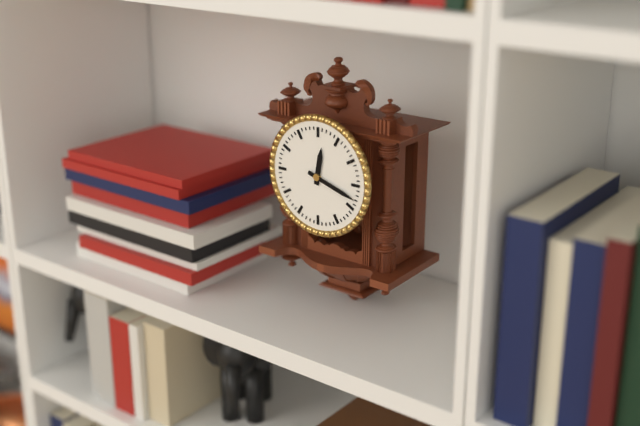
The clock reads 12.18
